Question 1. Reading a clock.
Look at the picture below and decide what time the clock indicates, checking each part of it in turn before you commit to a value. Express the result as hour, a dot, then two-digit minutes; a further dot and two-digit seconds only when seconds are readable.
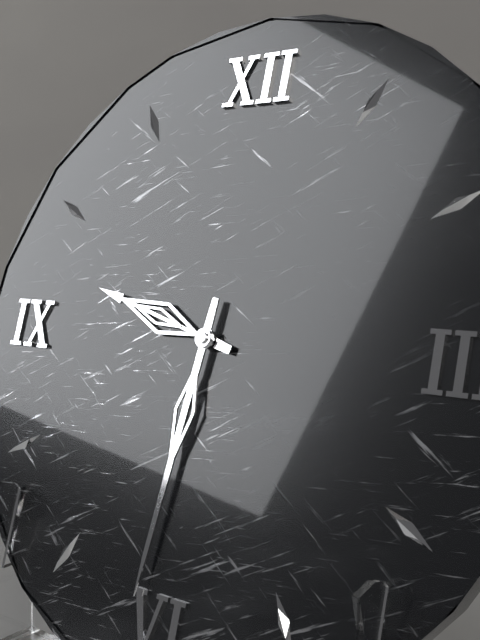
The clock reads 9.31
